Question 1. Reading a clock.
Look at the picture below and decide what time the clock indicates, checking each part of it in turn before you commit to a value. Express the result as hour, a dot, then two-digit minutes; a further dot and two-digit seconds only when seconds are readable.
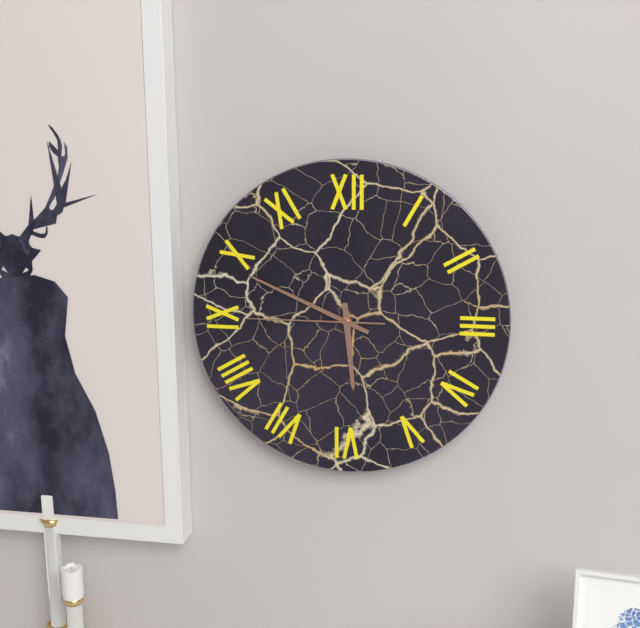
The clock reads 5.49.45
